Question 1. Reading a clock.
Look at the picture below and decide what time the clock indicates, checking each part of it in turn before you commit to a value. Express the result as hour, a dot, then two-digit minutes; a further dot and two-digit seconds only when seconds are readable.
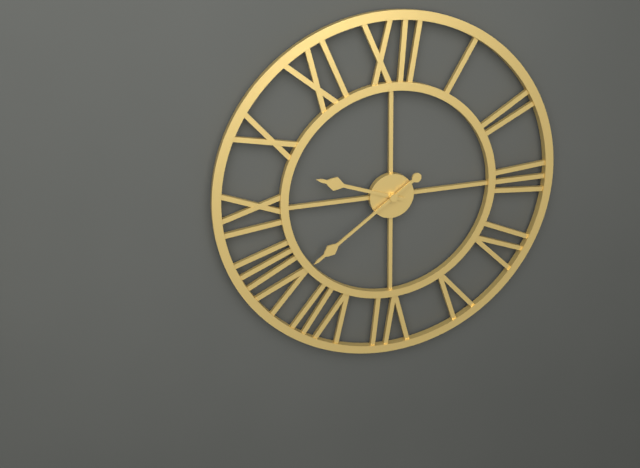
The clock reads 9.39
